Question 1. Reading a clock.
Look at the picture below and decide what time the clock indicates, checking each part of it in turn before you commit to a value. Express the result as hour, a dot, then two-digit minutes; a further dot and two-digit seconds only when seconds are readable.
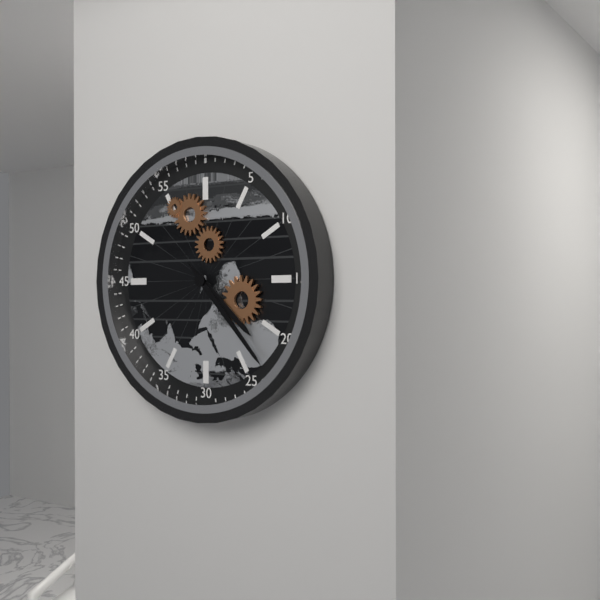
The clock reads 4.23
